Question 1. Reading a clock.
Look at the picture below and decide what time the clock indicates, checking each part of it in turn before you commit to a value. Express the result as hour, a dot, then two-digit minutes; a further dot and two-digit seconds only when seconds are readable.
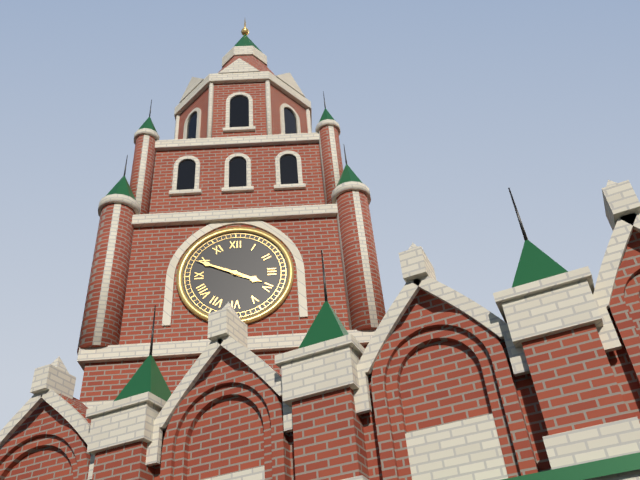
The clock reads 3.49
